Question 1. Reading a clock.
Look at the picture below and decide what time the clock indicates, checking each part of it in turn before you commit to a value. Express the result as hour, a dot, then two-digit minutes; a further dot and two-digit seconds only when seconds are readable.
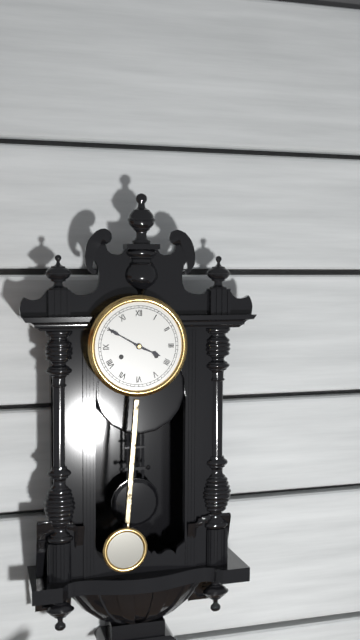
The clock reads 3.50
